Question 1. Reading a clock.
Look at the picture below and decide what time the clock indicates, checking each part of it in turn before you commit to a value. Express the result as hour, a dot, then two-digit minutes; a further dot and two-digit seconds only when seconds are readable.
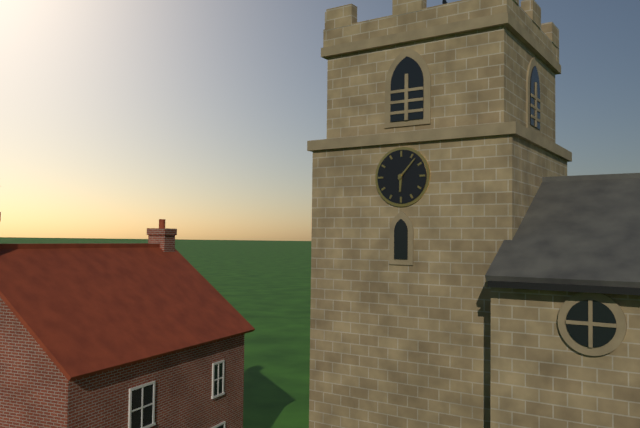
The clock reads 6.07
